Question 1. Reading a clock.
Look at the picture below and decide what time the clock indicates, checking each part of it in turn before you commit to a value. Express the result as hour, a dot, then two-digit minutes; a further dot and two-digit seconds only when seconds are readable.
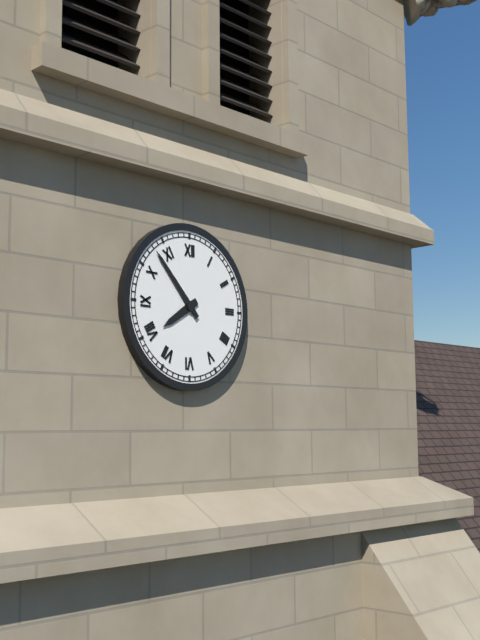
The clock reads 7.53
